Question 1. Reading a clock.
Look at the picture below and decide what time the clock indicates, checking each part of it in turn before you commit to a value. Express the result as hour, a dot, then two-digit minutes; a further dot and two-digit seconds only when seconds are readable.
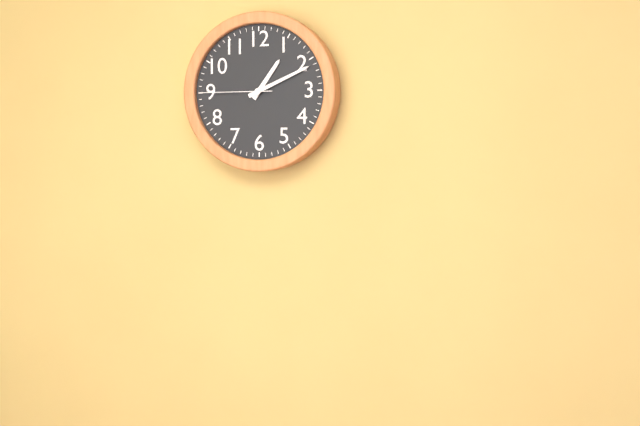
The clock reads 1.11.45
